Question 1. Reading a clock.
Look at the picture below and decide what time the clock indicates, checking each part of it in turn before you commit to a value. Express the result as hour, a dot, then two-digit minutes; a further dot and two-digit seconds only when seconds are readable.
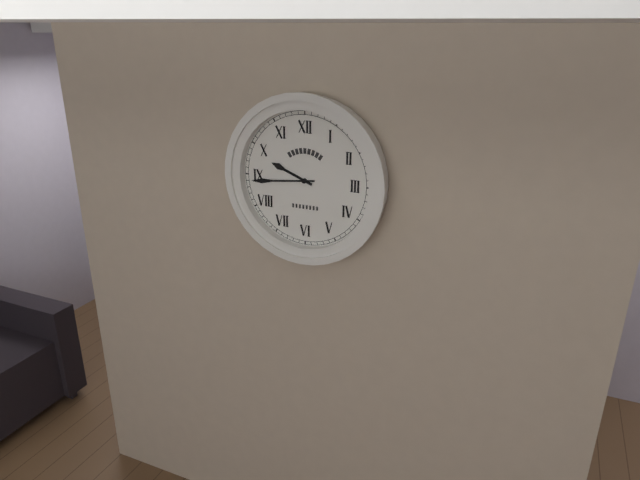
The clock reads 9.44
